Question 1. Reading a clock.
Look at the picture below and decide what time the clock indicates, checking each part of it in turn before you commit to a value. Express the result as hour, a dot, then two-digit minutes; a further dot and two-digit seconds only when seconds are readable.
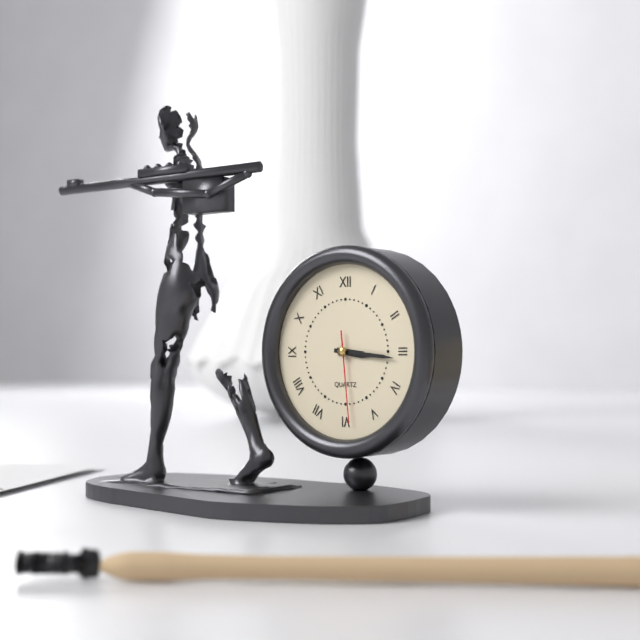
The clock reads 3.16.29
